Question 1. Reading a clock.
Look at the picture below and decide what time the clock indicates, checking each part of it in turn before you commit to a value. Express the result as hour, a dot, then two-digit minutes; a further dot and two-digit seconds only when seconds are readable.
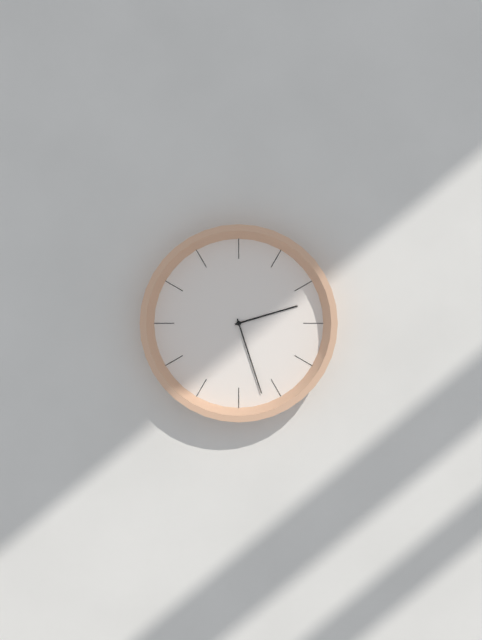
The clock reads 2.27
